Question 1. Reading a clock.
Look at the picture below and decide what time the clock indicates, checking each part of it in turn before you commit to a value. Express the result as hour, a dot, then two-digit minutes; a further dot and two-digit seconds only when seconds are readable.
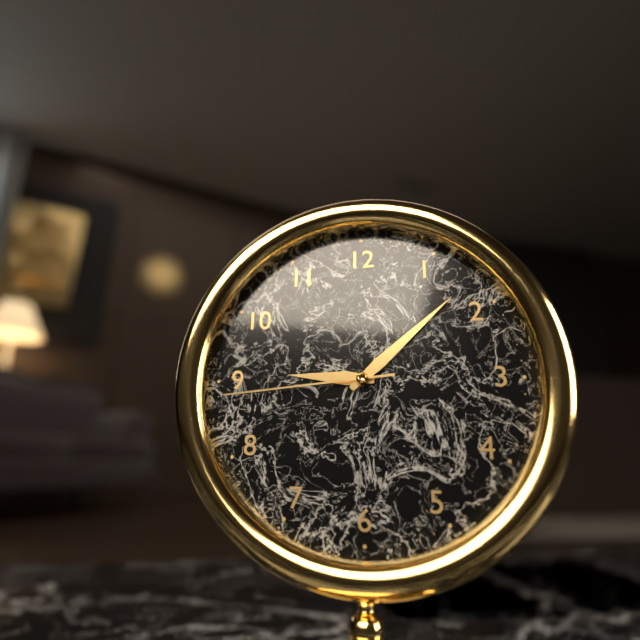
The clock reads 9.08.44
